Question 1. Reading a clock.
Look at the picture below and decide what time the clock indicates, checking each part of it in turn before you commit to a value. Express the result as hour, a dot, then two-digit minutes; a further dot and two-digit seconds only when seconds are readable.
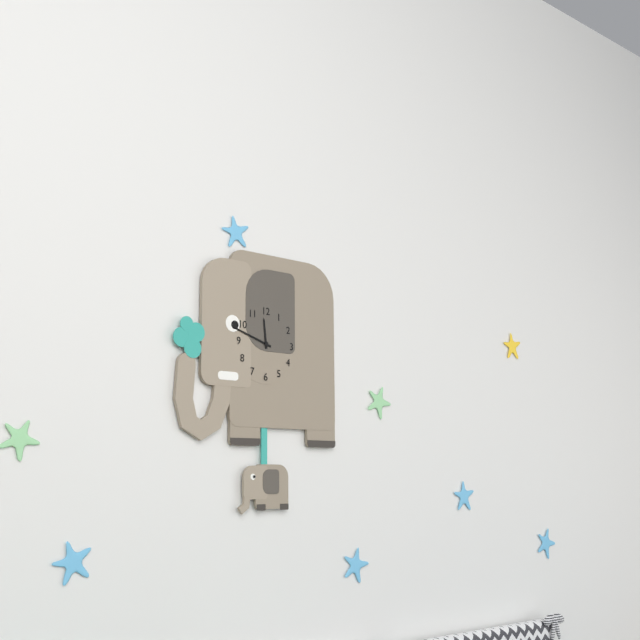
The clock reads 11.48
